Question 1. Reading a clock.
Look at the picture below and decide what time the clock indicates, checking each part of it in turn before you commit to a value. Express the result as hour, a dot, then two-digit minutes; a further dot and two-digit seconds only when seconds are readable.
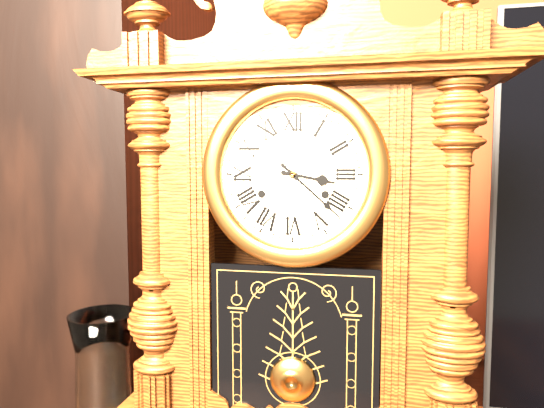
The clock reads 3.22
